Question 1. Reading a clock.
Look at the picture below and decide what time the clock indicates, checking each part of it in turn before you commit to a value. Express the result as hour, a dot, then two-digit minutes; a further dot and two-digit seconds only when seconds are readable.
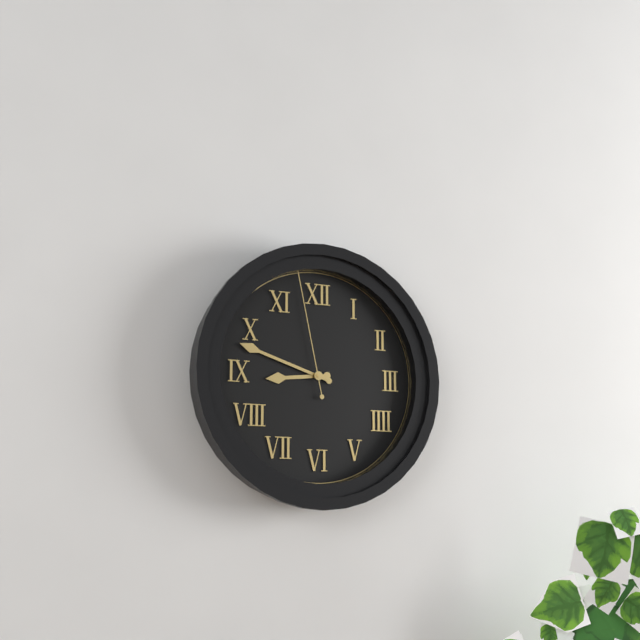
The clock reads 8.48.58
